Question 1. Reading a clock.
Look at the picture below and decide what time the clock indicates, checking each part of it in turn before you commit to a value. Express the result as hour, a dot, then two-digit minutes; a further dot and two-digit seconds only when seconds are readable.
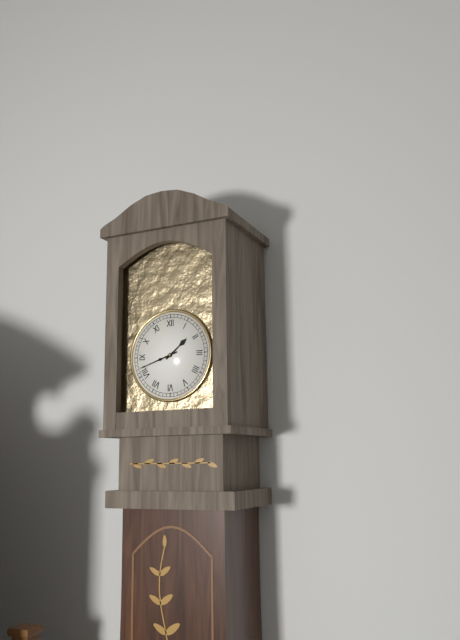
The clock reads 1.42
